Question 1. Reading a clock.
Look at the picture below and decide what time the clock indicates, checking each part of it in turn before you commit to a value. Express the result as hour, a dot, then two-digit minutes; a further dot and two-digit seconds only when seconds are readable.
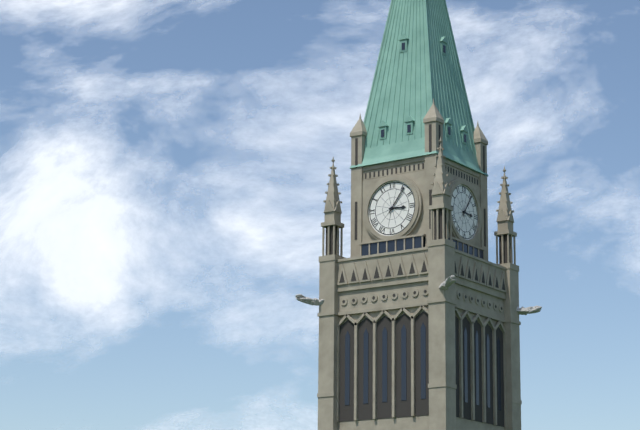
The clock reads 3.06
